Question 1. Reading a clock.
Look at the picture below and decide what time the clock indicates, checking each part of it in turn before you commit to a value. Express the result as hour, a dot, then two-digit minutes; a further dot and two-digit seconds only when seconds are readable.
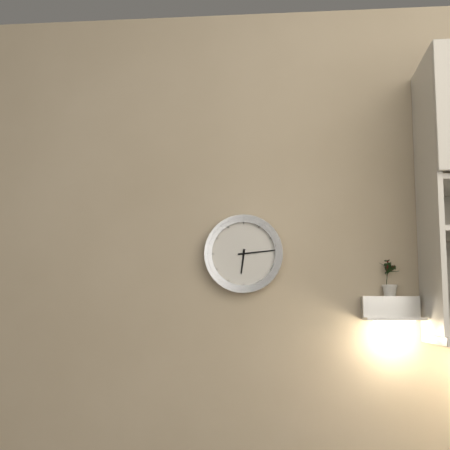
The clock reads 6.14
